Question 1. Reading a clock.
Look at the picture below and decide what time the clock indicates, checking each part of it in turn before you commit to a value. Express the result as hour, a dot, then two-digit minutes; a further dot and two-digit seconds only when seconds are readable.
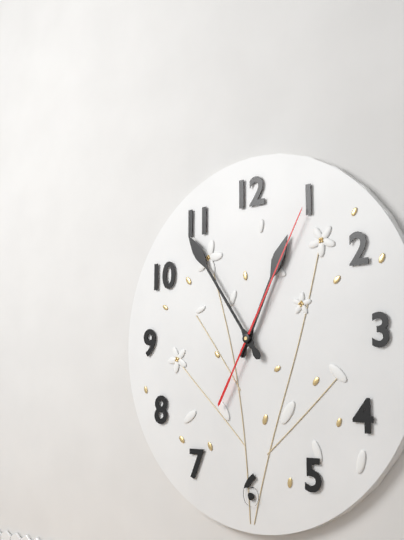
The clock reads 12.54.05
